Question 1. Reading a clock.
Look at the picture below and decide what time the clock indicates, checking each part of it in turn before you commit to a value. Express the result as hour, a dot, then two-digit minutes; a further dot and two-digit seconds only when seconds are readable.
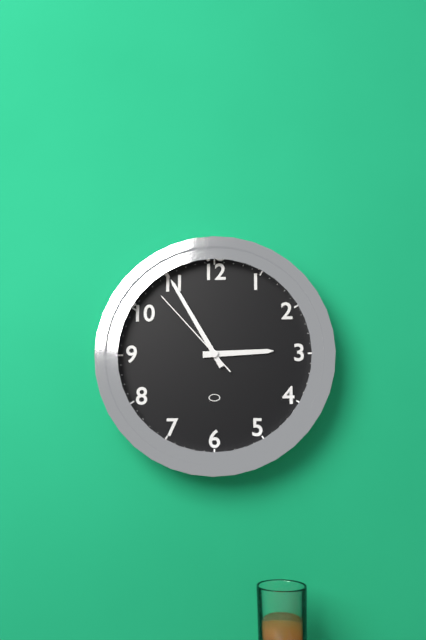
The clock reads 2.55.53
